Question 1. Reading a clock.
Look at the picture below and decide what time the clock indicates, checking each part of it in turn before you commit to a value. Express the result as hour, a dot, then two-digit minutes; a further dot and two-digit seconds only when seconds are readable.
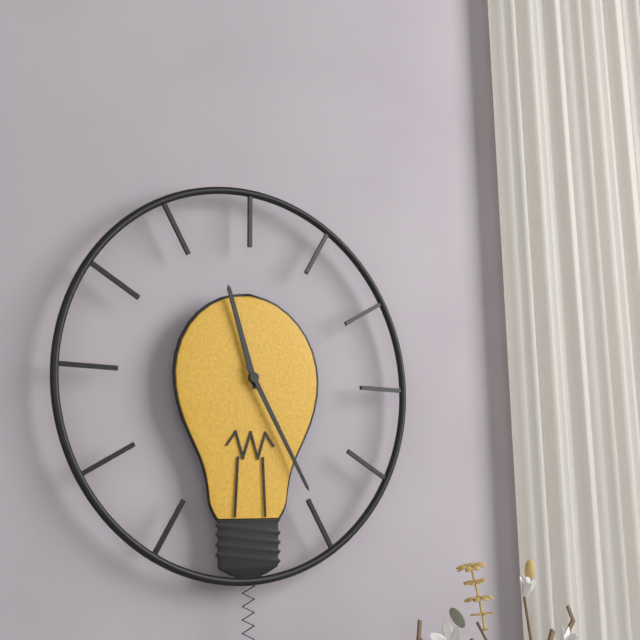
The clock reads 11.25
